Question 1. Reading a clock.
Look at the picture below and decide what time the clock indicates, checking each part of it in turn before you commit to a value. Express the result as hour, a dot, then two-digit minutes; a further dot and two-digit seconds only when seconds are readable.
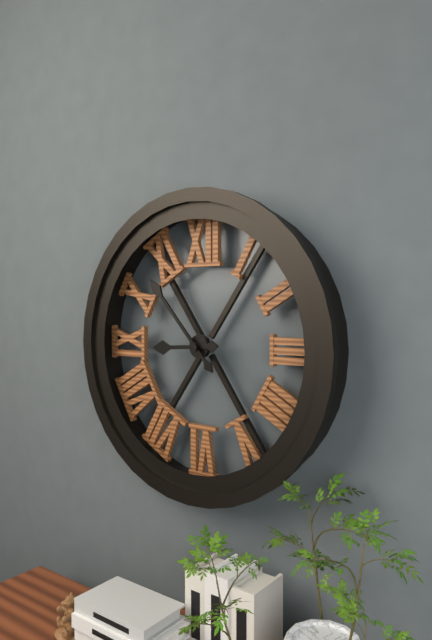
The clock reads 8.53
